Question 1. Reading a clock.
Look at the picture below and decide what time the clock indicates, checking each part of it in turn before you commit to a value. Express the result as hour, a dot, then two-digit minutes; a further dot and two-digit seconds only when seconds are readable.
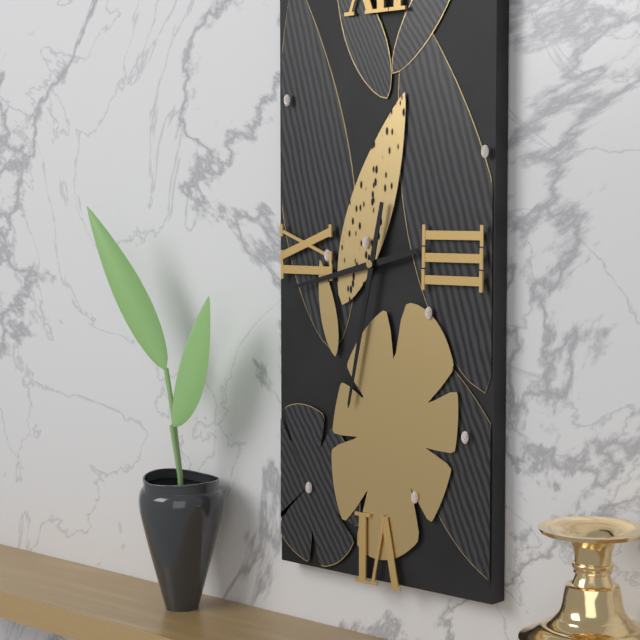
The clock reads 8.32
